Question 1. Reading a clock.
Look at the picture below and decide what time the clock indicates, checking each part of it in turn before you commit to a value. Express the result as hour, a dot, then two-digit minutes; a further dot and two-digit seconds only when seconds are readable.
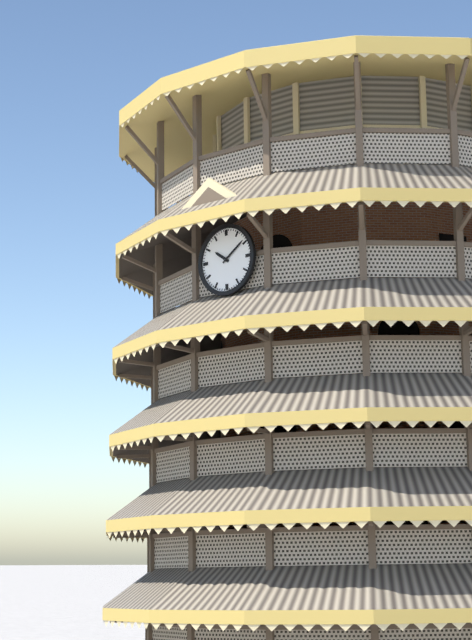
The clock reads 10.09
